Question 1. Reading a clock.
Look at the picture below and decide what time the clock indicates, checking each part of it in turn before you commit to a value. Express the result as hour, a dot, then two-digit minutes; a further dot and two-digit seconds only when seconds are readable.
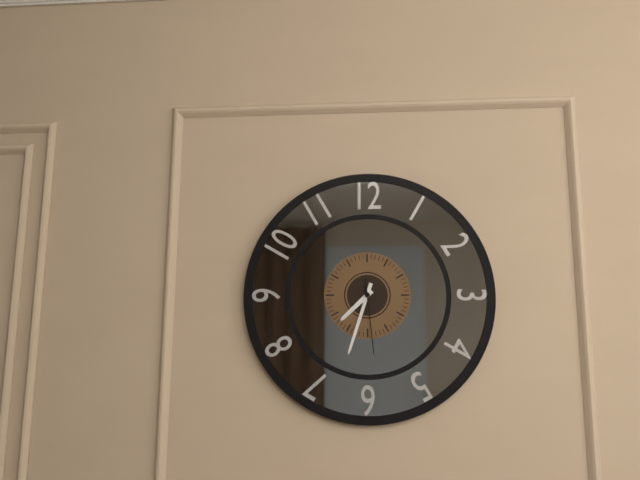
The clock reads 7.33.29
